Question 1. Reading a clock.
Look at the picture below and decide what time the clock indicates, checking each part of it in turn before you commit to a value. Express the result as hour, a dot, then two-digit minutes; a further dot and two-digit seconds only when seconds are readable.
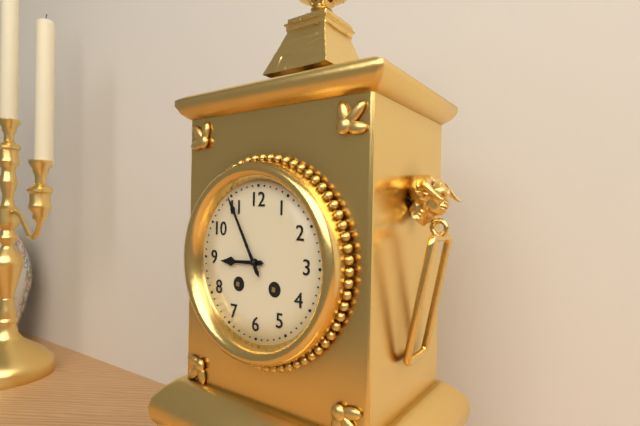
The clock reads 8.55
